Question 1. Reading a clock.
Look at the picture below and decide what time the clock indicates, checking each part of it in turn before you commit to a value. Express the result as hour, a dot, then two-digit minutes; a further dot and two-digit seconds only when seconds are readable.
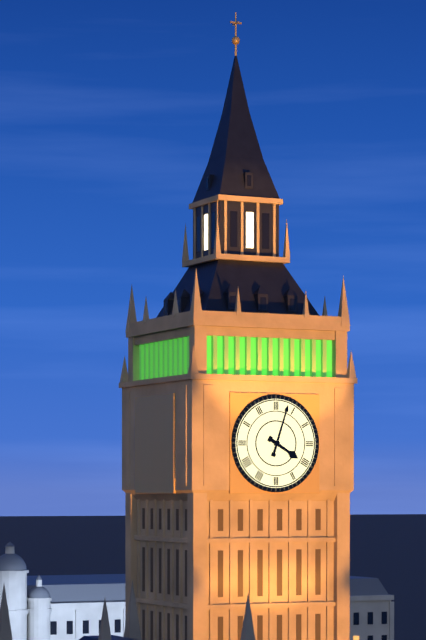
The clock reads 4.03
